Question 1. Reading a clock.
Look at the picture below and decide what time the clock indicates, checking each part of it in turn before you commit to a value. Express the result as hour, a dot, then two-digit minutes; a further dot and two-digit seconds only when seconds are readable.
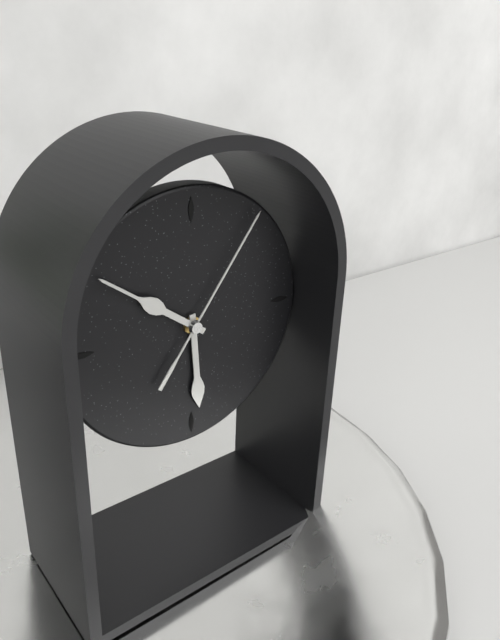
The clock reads 5.51.06
